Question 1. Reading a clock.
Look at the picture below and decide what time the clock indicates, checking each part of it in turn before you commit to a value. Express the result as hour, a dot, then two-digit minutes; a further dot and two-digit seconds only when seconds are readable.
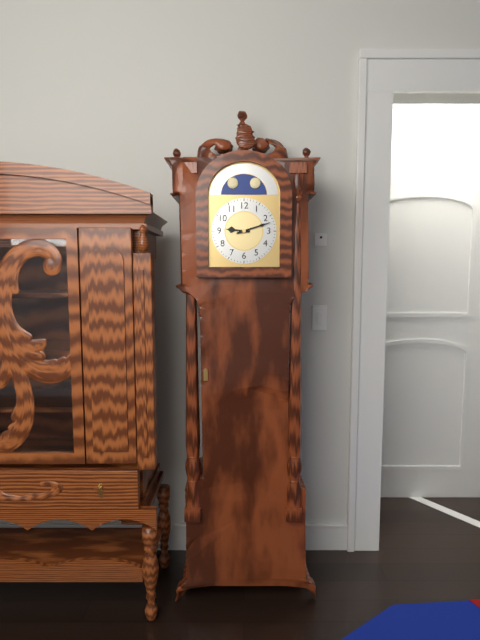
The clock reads 9.12
